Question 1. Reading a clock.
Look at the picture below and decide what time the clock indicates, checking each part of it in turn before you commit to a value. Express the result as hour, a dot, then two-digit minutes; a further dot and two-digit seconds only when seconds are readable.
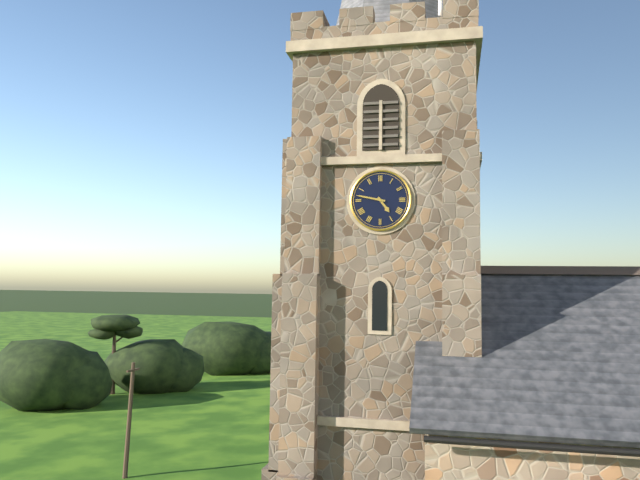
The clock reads 4.47
